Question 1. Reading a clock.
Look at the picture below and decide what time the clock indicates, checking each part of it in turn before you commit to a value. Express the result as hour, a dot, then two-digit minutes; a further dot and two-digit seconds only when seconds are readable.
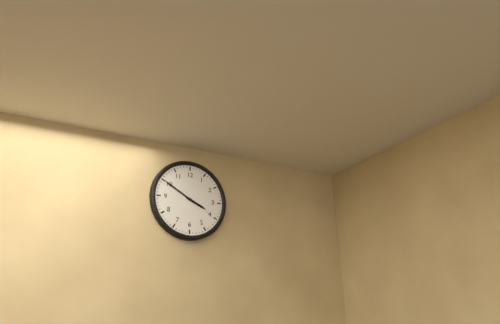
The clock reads 3.50
